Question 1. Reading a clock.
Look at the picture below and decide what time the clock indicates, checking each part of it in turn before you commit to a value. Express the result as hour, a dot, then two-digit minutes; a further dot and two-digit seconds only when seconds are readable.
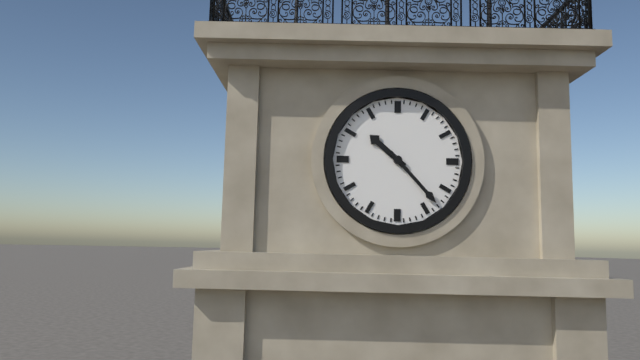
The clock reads 10.23
